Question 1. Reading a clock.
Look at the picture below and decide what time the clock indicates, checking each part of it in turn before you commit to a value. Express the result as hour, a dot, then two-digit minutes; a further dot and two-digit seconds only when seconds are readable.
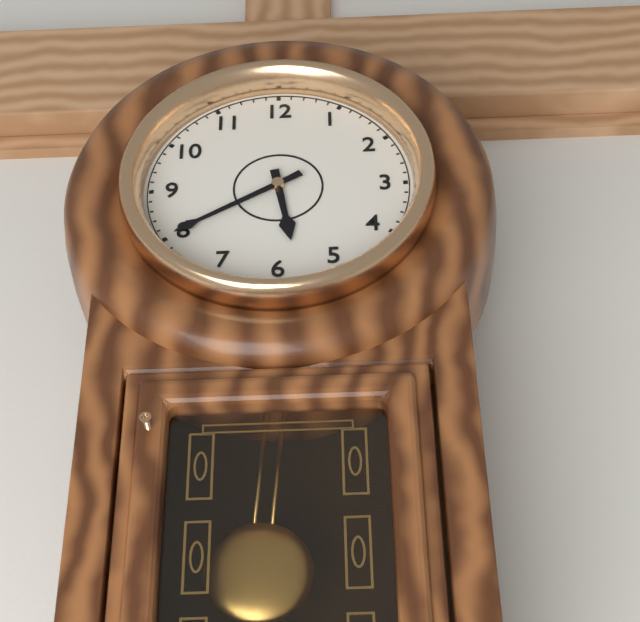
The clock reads 5.40
